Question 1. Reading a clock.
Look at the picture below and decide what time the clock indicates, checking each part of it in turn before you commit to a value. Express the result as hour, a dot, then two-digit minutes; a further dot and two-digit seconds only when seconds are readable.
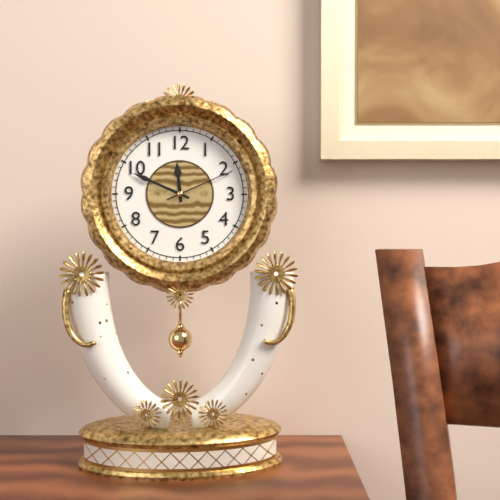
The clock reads 11.49.11
